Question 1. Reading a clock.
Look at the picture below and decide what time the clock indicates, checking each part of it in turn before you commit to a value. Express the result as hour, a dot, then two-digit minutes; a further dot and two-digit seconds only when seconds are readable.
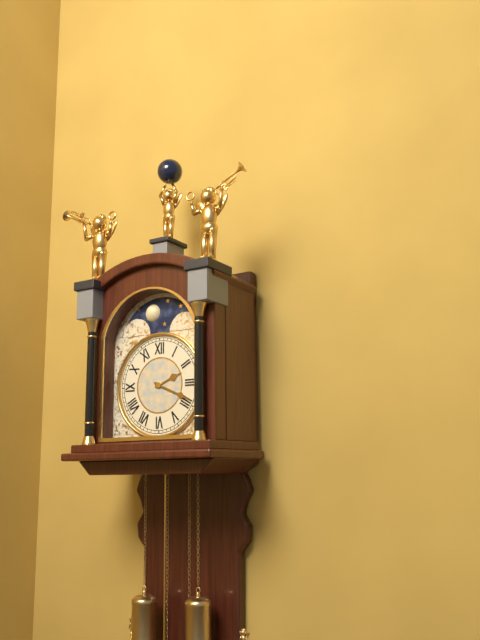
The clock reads 2.19
